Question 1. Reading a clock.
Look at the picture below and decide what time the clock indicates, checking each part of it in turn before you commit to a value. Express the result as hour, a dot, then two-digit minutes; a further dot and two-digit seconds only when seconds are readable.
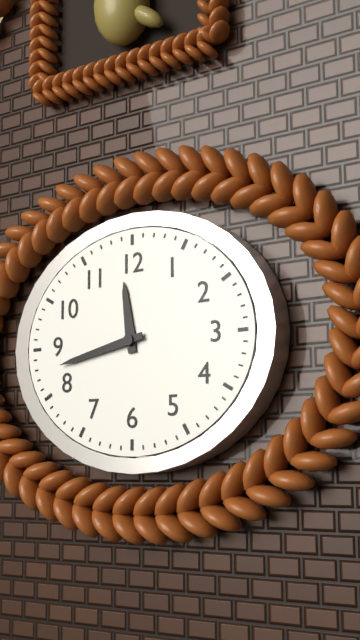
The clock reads 11.43
